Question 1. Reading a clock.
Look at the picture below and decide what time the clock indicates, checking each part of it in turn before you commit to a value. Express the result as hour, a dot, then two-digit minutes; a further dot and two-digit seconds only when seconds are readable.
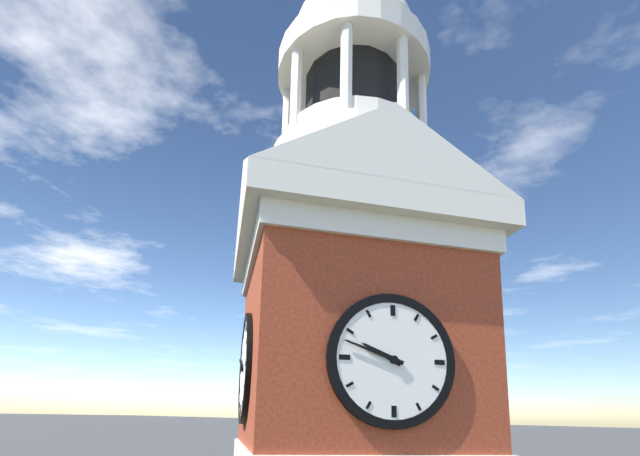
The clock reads 9.48
